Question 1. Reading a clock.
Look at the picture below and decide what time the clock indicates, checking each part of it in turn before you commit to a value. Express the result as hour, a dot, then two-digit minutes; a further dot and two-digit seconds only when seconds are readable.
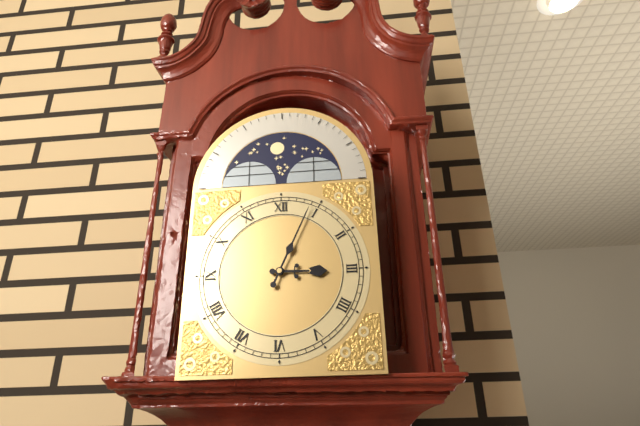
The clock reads 3.04
